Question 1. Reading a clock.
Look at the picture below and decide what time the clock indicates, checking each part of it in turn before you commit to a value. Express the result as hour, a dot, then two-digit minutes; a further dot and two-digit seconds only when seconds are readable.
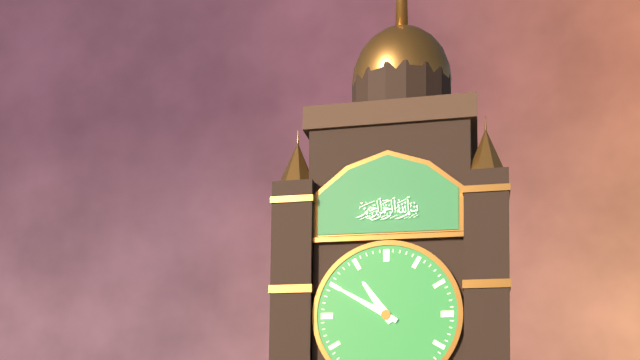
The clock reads 10.50
